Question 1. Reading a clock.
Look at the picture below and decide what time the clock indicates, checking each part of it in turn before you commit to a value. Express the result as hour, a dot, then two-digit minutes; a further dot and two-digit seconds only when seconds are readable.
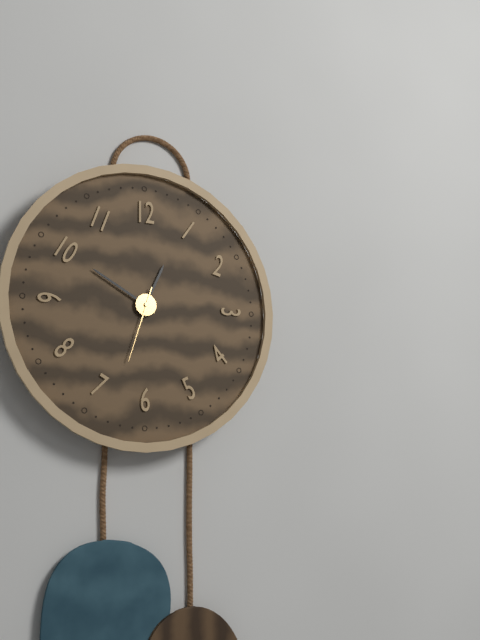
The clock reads 12.50.33
